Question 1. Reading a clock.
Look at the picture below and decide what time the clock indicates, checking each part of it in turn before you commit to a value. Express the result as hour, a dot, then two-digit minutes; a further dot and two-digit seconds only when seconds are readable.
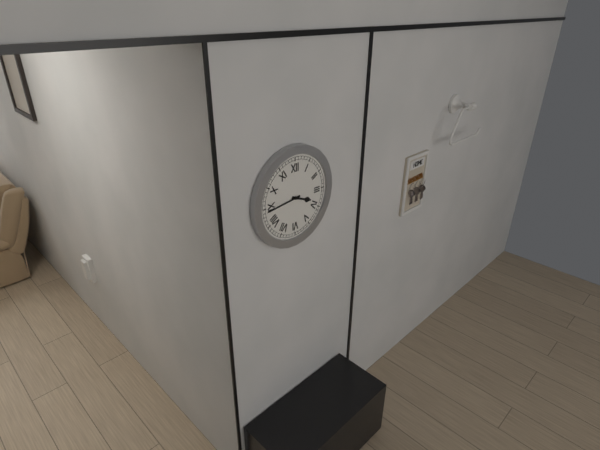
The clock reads 3.44
